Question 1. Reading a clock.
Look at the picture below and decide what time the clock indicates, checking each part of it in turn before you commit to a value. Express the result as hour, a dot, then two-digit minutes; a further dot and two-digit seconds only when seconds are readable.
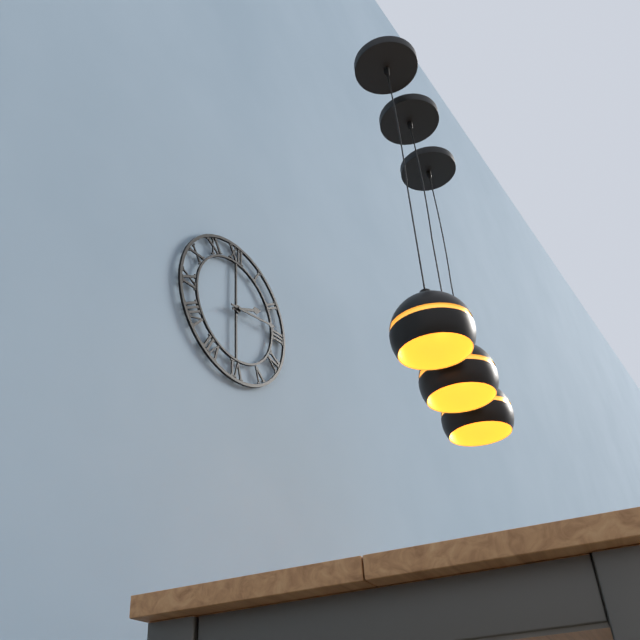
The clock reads 2.14
